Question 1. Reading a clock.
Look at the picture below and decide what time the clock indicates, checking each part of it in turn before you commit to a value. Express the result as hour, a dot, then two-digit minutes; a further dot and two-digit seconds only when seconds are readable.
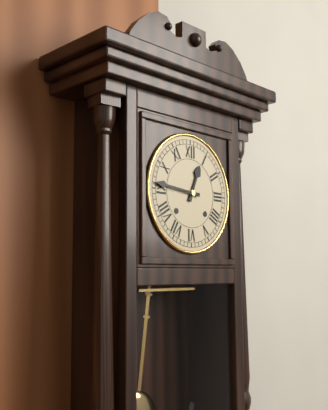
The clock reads 12.46
